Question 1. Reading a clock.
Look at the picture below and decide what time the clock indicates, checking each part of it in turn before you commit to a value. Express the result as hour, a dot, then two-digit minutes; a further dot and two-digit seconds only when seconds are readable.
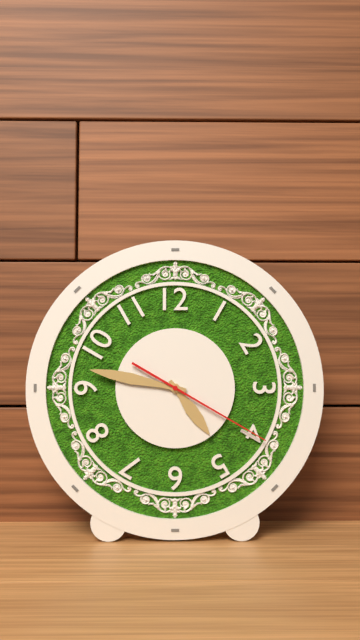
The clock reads 4.47.20
